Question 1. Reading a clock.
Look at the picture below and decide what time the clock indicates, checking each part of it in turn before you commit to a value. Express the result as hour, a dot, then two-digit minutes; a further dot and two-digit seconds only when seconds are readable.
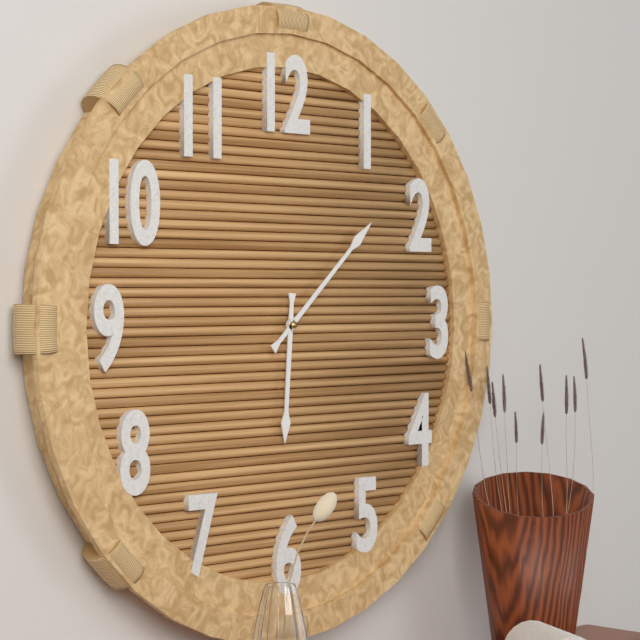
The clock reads 6.08
